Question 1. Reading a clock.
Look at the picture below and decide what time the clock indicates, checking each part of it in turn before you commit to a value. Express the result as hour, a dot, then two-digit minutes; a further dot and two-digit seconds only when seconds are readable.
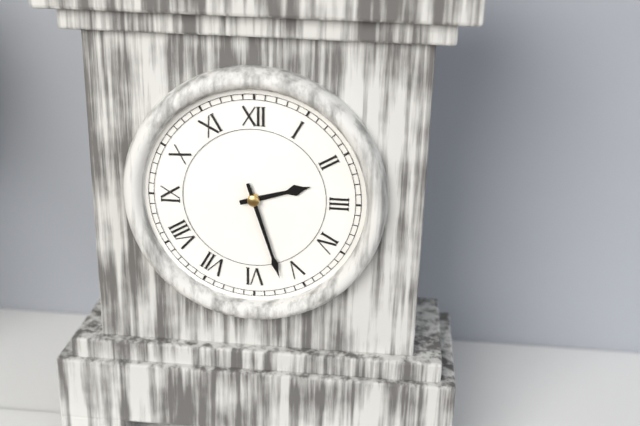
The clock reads 2.27
